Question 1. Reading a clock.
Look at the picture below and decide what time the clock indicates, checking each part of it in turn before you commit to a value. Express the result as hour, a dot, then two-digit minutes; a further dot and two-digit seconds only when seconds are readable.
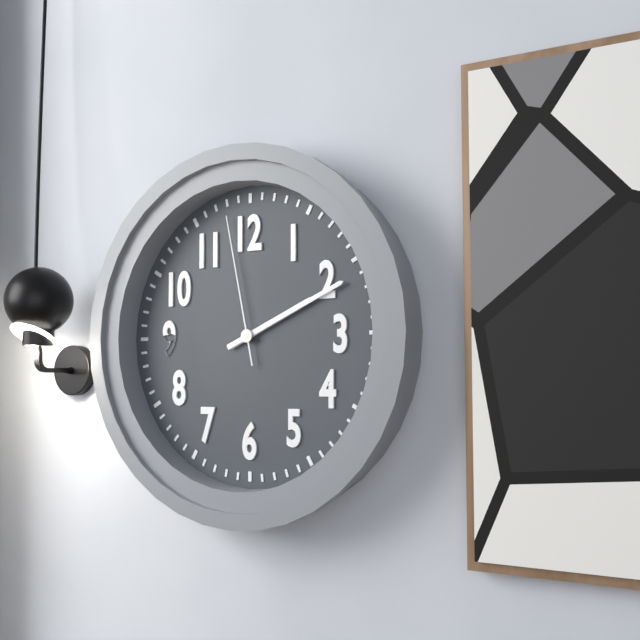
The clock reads 2.11.58
